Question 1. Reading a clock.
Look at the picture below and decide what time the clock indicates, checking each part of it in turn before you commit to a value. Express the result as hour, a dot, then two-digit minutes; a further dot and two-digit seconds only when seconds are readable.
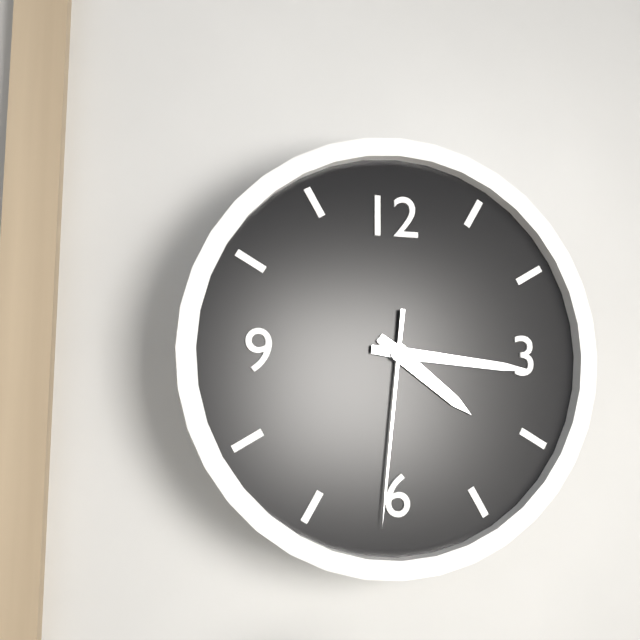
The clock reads 4.16.31
